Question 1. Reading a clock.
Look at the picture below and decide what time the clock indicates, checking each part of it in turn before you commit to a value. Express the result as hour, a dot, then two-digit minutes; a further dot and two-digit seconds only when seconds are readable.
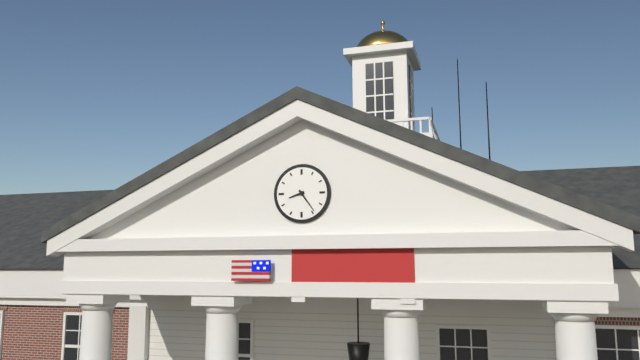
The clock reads 8.24
